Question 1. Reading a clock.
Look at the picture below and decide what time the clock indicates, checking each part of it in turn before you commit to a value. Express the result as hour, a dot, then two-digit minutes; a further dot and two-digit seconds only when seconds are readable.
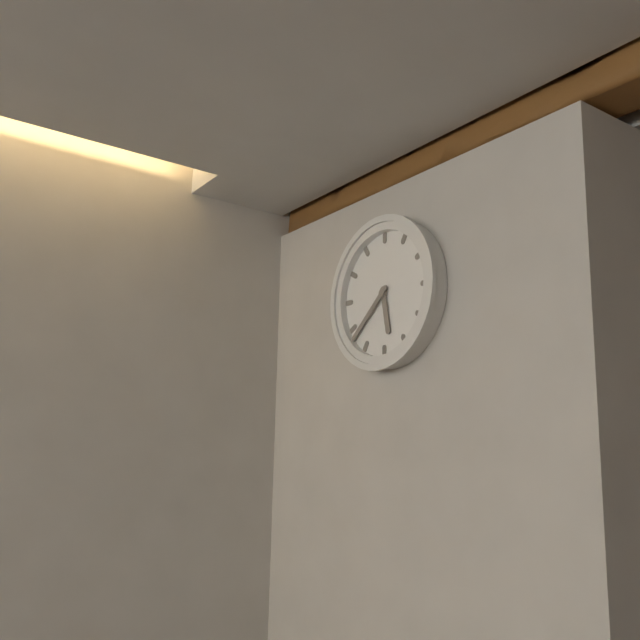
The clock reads 5.38
